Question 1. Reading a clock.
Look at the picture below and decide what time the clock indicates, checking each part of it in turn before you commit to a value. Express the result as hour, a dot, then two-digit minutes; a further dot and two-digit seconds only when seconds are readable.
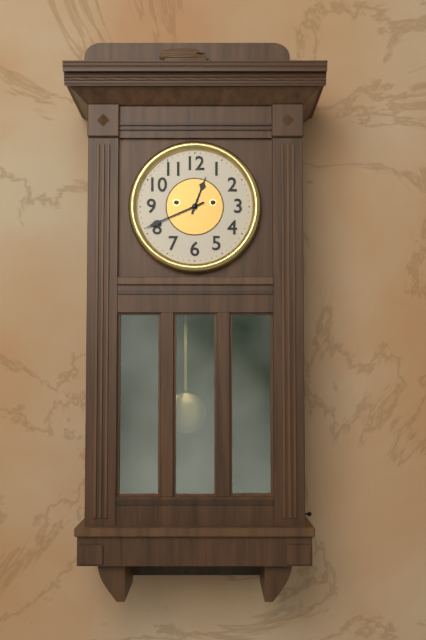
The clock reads 12.41
